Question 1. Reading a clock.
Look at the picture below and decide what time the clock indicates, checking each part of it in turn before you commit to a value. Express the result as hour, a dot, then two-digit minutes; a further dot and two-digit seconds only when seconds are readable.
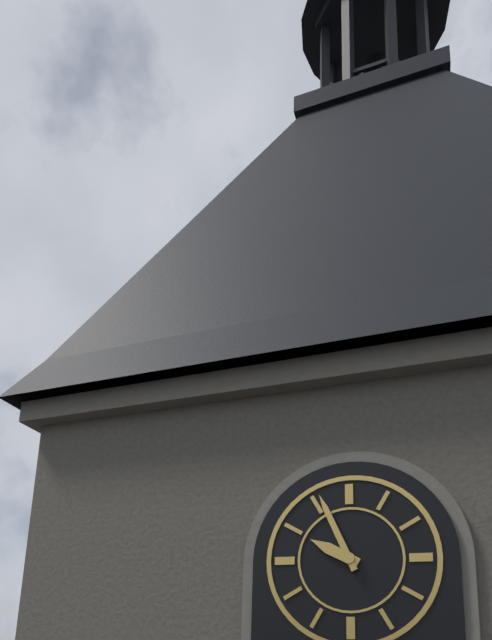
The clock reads 9.56
